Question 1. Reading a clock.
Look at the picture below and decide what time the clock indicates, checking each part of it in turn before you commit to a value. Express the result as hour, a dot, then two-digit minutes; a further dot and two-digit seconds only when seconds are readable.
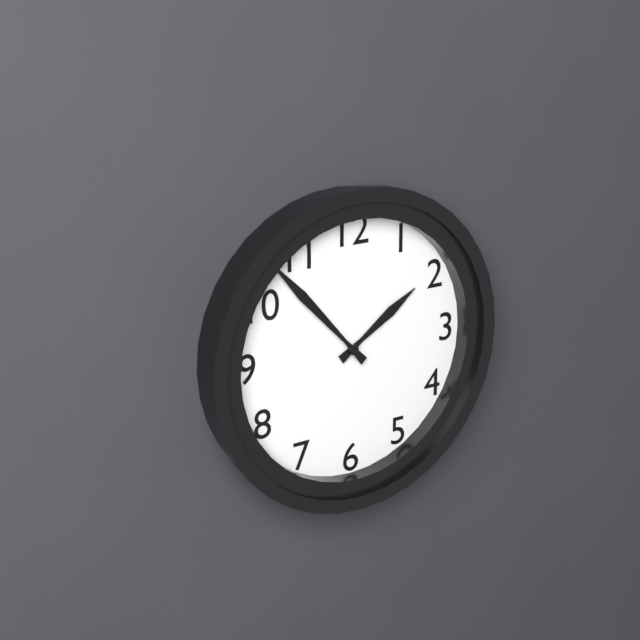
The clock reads 1.53
